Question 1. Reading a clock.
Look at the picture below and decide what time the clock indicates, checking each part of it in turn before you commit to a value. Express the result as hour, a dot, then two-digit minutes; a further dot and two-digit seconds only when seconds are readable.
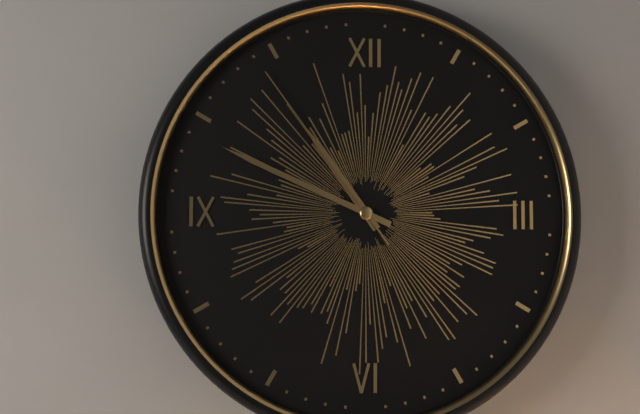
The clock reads 10.49.54
